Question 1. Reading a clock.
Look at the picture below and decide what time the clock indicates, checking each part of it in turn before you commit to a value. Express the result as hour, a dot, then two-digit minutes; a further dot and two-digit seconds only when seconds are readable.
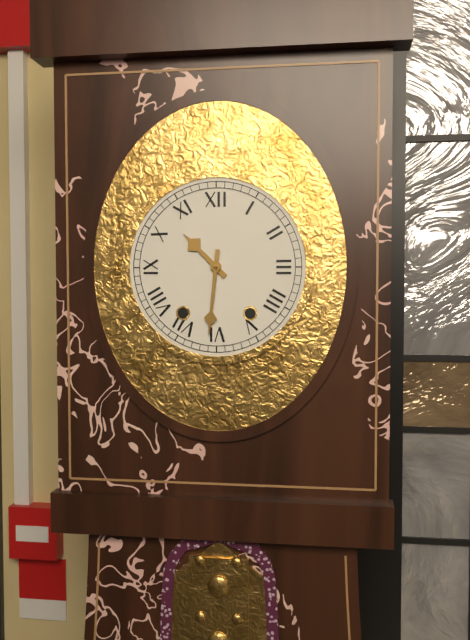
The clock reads 10.31
